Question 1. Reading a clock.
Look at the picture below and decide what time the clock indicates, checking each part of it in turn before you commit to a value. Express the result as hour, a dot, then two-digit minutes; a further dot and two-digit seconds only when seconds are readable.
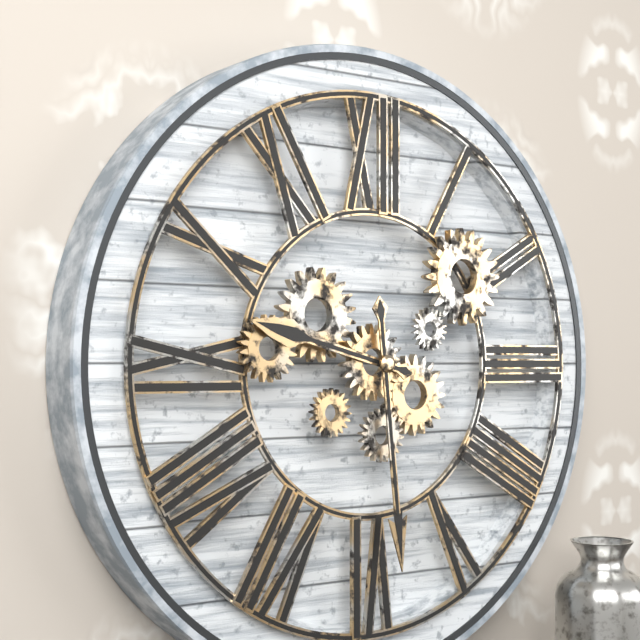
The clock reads 9.29
